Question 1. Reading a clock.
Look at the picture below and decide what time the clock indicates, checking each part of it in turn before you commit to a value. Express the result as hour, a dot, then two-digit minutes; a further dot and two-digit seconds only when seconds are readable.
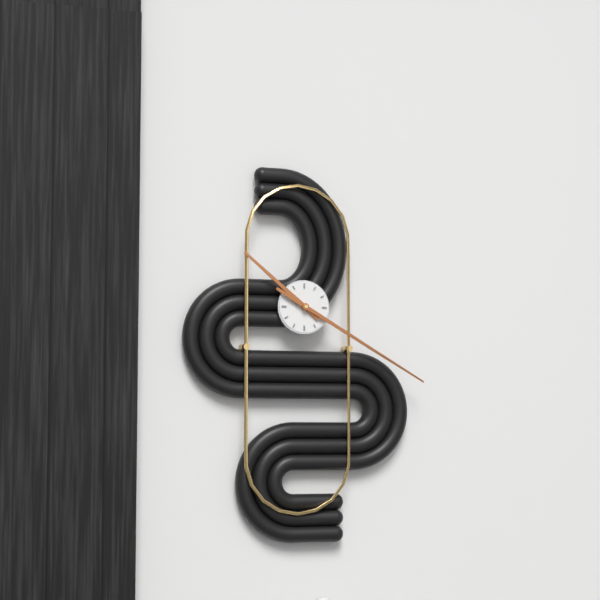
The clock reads 10.20
